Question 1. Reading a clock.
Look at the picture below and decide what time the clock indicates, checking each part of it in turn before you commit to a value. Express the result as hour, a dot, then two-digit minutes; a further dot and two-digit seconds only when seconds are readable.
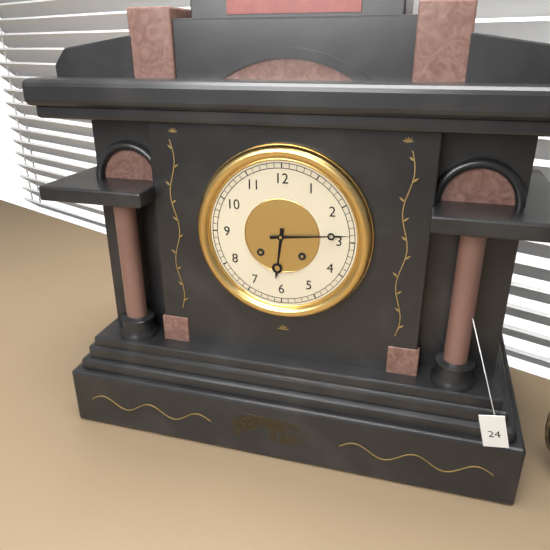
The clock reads 6.14
